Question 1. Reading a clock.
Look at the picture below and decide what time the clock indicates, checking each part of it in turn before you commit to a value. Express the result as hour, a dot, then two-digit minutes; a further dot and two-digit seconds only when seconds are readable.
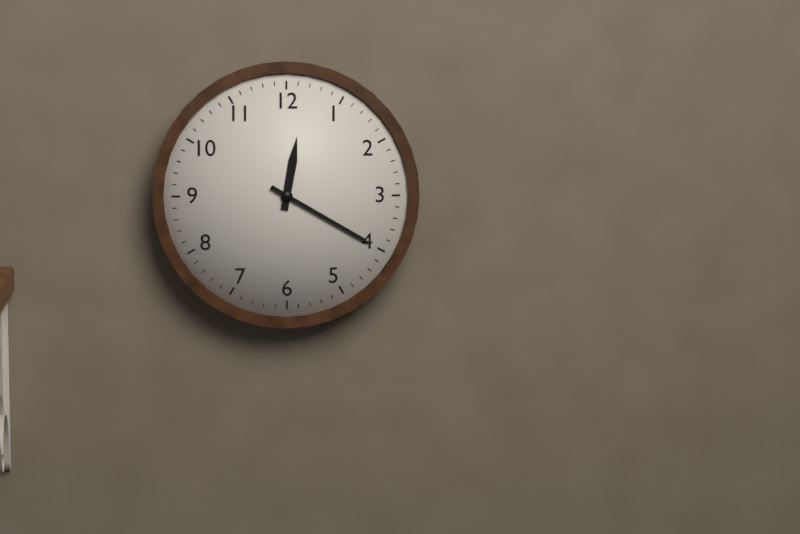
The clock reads 12.20
